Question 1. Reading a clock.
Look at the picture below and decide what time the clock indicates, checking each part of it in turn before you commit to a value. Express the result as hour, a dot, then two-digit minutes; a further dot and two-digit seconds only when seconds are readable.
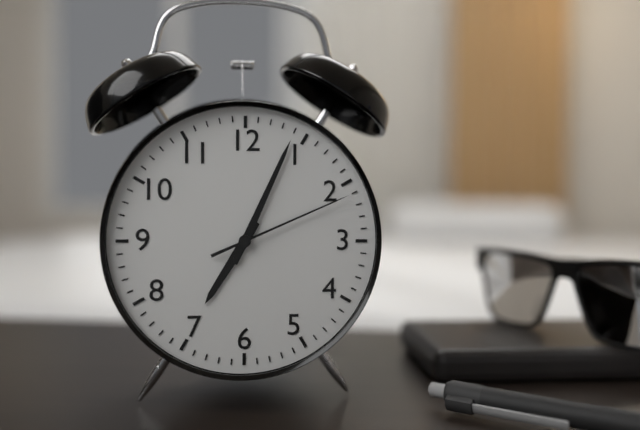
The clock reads 7.04.11
